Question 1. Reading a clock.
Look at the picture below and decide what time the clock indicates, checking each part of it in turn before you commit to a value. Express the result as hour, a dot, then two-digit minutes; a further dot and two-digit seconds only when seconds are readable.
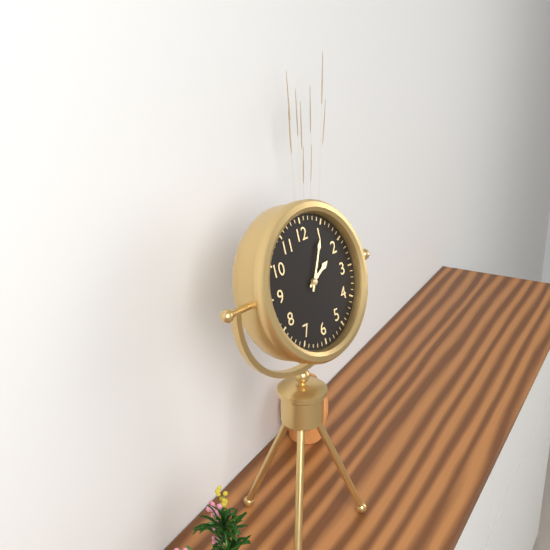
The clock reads 2.05
